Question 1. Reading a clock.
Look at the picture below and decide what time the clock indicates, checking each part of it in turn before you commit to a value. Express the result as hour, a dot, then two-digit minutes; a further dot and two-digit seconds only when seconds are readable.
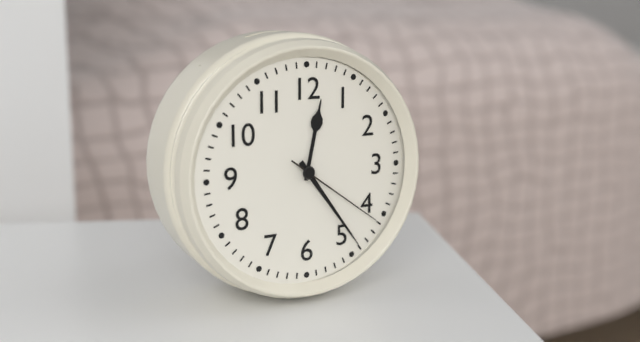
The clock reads 12.24.21
